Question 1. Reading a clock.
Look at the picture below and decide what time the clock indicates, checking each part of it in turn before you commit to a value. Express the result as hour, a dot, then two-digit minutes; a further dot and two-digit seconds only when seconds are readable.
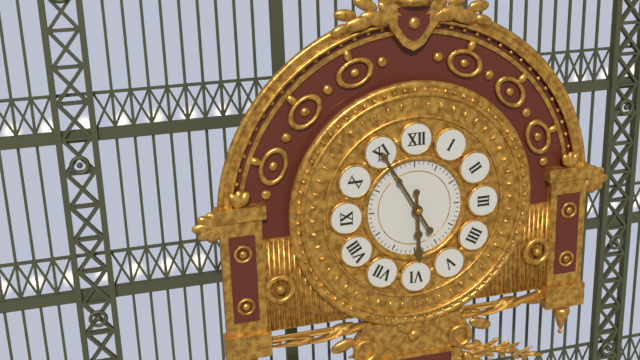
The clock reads 5.55
